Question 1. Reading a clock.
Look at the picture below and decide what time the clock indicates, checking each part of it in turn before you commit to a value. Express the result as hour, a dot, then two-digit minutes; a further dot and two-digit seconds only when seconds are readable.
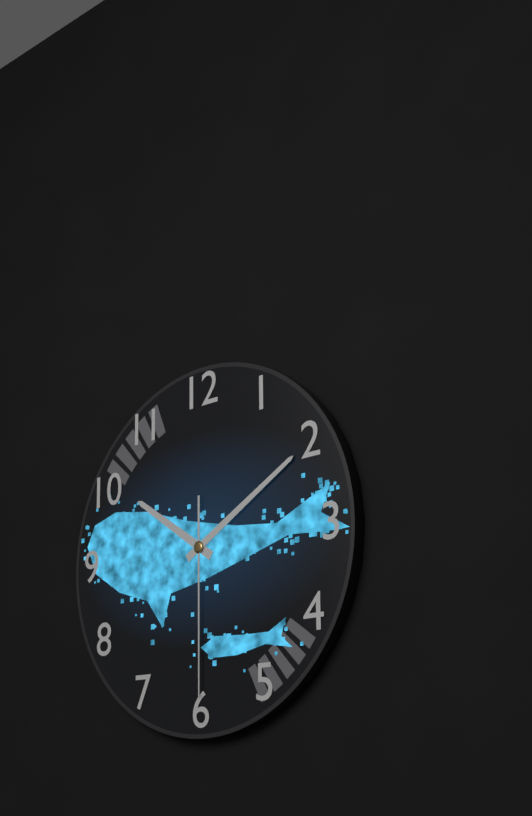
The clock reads 10.10.30
